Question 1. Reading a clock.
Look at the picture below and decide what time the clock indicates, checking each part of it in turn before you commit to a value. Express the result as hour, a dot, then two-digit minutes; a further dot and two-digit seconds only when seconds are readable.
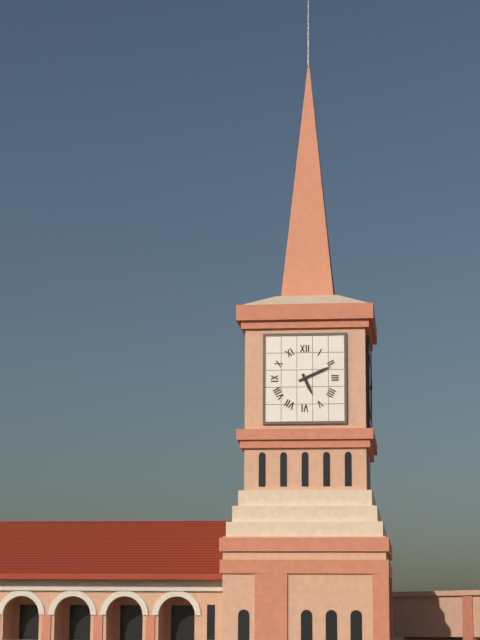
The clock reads 5.11
